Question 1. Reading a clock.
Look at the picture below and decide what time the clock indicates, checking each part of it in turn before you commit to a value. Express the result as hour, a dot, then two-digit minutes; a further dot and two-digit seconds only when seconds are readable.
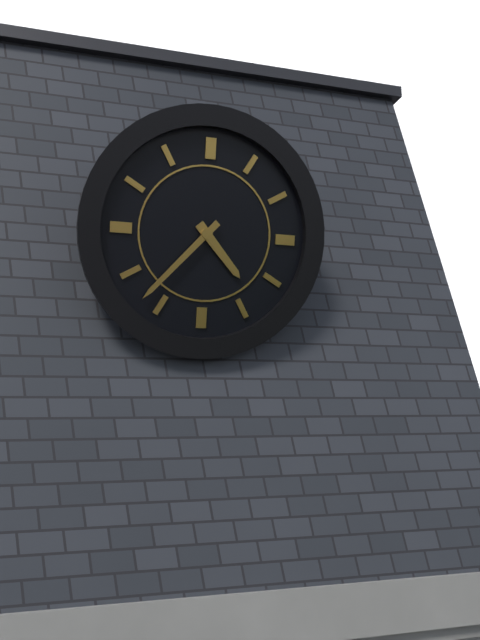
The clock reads 4.37
